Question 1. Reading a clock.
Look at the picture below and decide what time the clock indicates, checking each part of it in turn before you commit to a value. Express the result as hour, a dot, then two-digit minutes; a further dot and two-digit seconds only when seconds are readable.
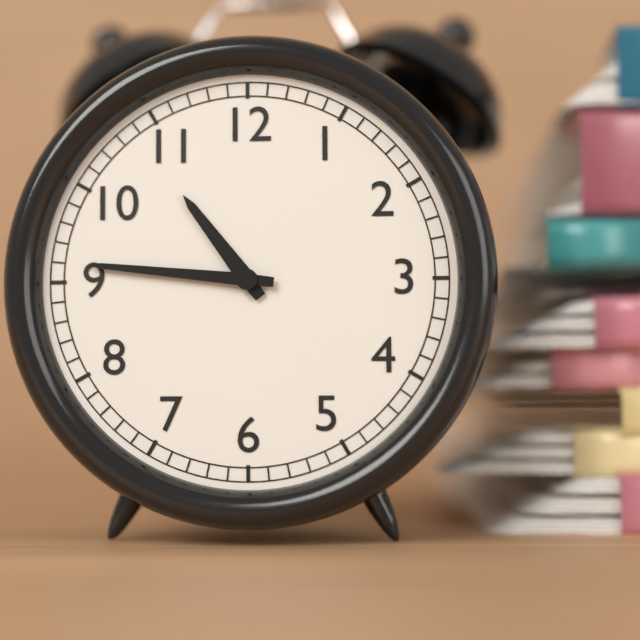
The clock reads 10.46
